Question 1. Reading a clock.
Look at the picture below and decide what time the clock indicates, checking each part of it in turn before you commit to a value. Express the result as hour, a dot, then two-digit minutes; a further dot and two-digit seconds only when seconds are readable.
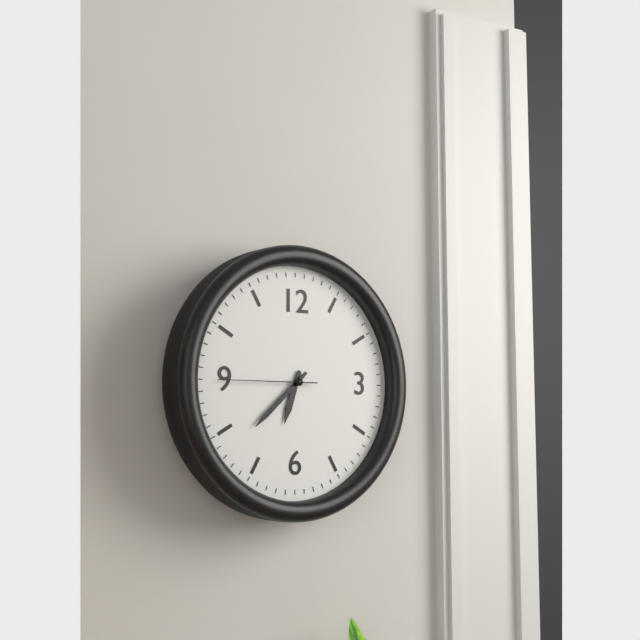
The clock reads 6.38.45
